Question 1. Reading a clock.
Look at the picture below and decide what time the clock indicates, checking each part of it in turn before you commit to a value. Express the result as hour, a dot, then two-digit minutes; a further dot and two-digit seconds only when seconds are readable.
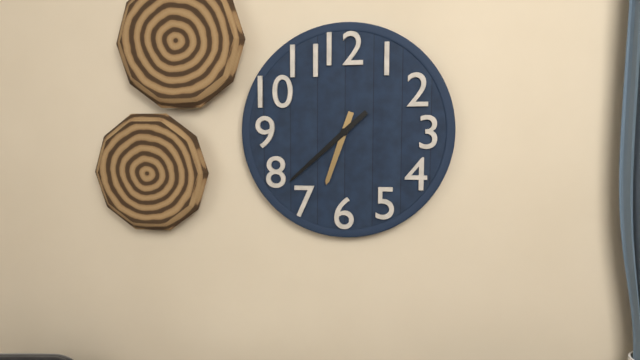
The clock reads 6.38
